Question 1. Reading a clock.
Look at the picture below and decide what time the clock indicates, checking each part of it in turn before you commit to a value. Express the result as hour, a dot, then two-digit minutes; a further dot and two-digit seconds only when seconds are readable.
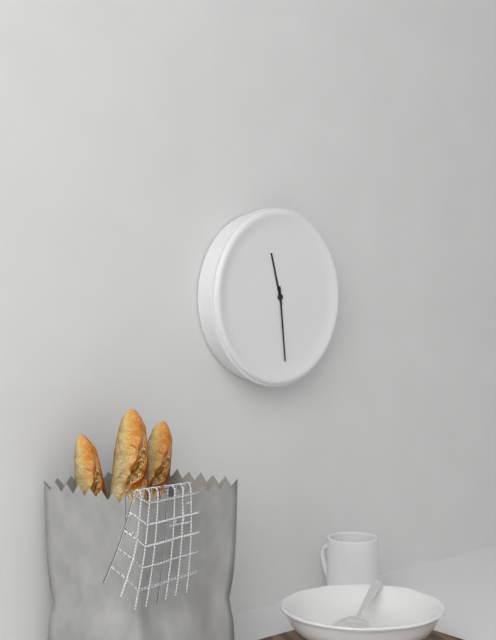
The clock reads 11.29
